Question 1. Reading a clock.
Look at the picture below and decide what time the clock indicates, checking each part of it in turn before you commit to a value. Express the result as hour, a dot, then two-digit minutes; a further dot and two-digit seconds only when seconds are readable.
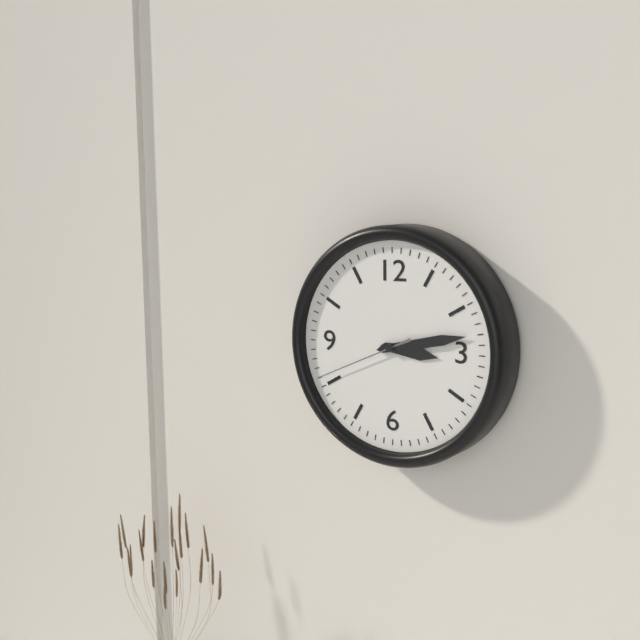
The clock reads 3.13.41
